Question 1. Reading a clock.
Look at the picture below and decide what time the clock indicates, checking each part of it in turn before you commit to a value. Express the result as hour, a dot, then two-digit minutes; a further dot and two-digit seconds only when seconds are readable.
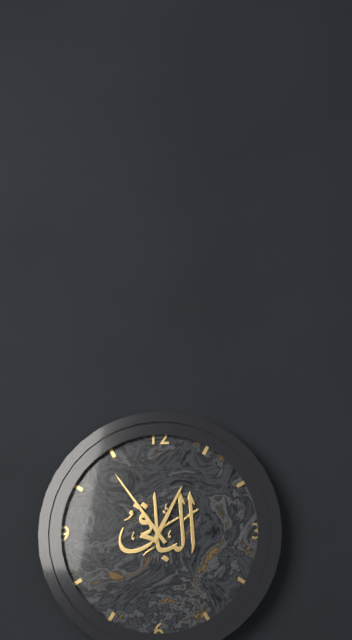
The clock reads 12.54
